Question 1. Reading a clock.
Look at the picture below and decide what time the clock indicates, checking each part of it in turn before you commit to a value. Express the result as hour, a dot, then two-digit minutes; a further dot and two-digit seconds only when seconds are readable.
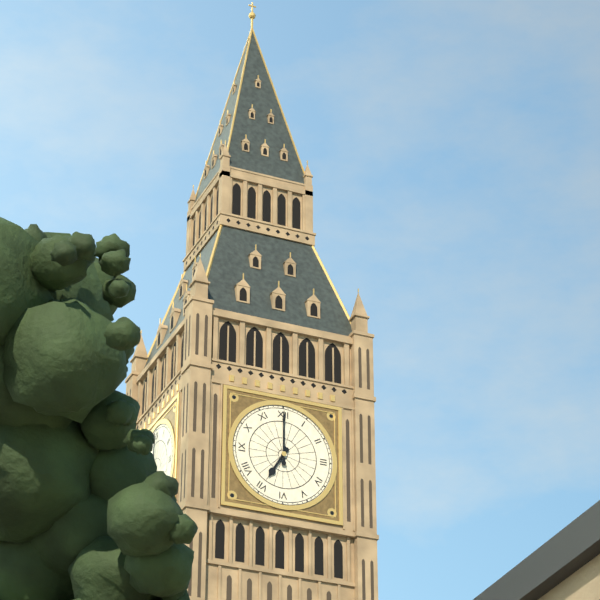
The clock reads 7.00
